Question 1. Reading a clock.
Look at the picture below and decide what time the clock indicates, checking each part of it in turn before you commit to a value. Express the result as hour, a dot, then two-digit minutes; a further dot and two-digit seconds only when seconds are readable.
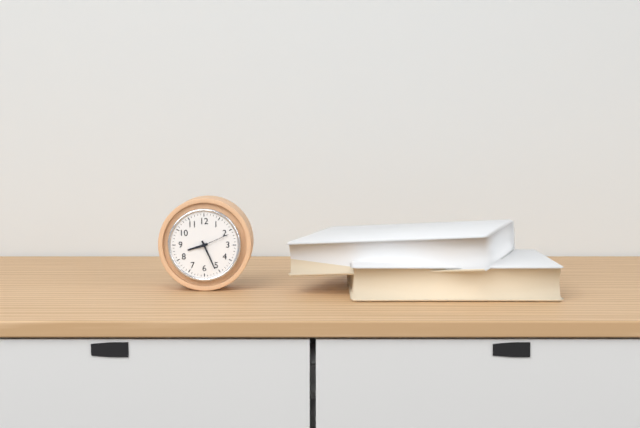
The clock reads 8.26
